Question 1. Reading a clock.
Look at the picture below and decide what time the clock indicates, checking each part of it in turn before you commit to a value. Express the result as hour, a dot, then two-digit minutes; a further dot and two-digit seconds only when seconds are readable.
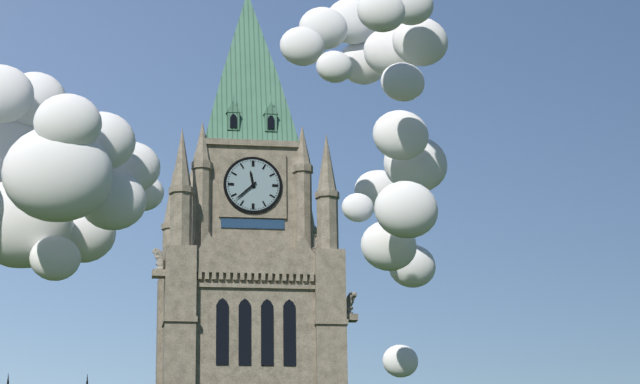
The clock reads 11.38
